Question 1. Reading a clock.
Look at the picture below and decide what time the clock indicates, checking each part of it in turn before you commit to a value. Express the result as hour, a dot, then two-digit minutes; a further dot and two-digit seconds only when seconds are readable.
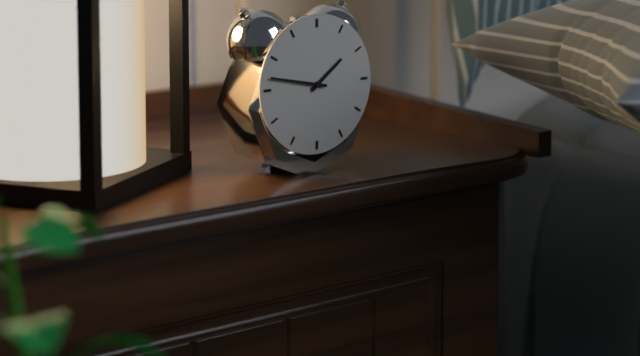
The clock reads 1.47
